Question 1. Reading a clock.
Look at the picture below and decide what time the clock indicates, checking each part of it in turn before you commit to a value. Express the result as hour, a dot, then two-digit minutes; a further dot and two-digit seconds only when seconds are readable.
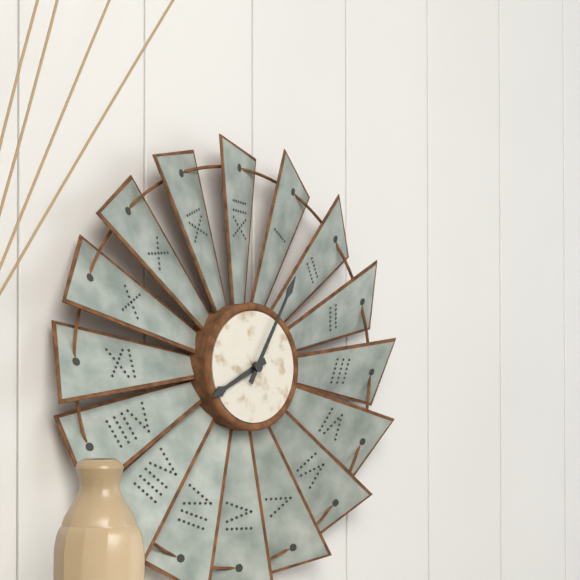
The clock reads 8.05
